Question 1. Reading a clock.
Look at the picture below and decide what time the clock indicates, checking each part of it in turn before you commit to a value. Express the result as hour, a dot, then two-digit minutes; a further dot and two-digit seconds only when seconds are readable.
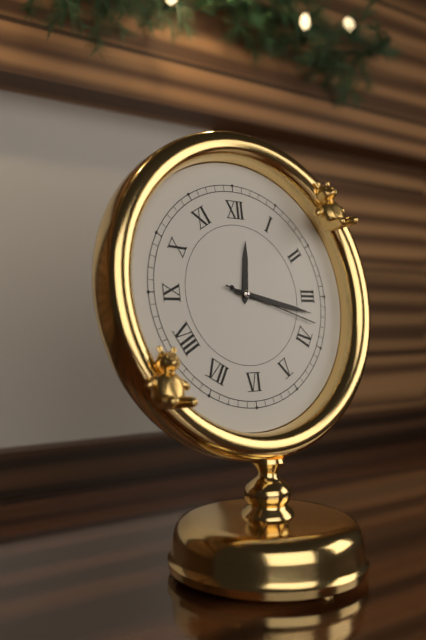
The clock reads 12.17.18
